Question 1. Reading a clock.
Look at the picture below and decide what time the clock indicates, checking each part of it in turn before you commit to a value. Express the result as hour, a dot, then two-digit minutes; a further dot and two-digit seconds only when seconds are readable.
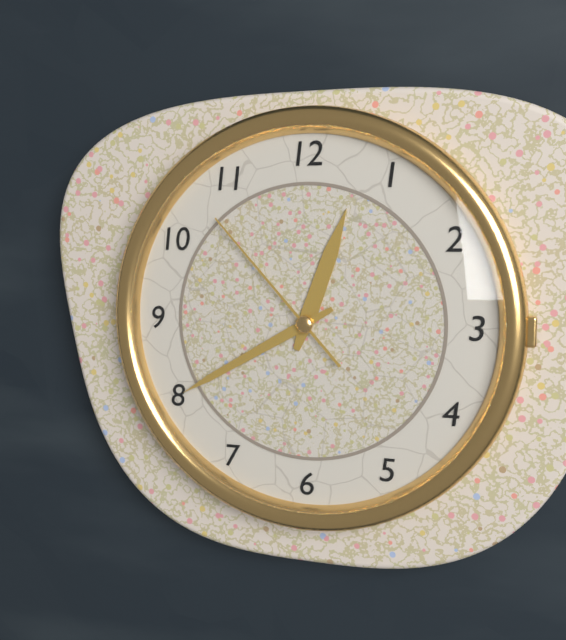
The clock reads 12.40.53
